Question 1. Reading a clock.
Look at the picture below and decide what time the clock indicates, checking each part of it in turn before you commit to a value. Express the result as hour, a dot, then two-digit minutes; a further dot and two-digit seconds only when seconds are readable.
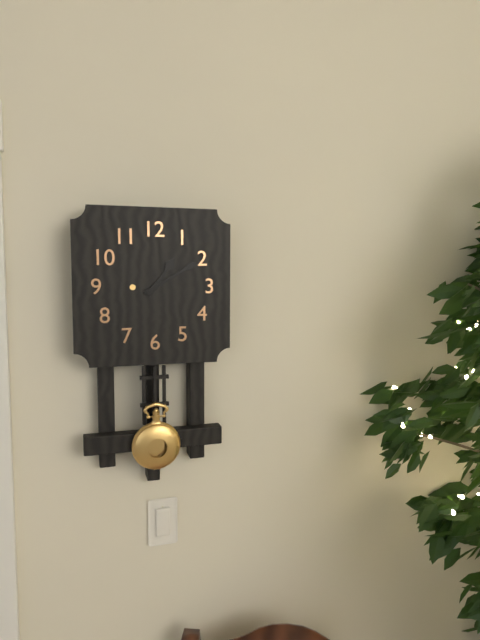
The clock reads 1.10
